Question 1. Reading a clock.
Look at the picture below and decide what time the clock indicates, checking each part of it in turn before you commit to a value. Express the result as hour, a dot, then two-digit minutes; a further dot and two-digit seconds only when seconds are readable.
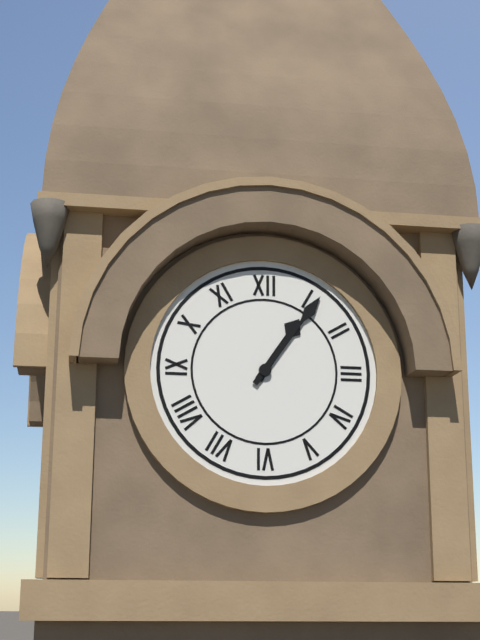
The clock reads 1.06
